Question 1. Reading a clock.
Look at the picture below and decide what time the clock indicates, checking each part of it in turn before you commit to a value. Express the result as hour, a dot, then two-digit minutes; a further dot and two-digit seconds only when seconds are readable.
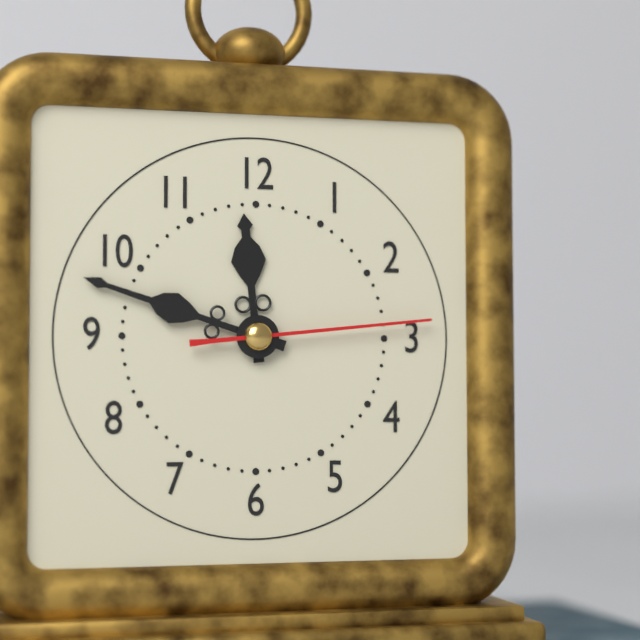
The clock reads 11.48.14
